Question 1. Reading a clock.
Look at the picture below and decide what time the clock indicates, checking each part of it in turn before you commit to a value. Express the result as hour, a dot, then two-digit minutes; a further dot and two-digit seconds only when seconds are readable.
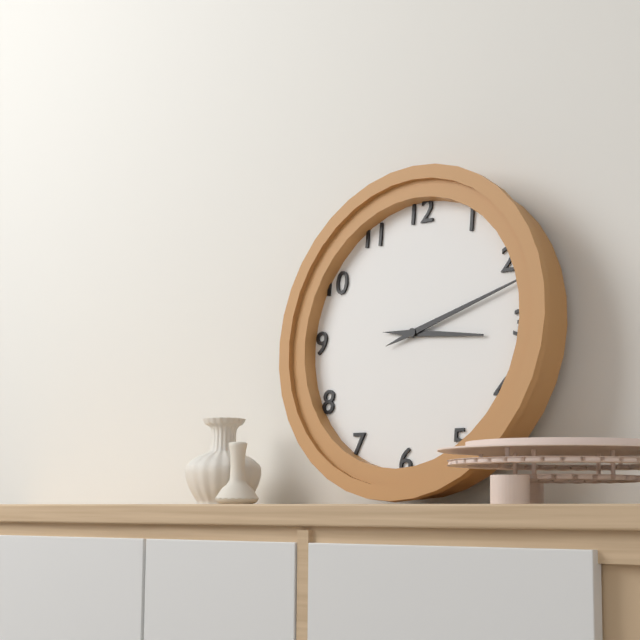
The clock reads 3.12
